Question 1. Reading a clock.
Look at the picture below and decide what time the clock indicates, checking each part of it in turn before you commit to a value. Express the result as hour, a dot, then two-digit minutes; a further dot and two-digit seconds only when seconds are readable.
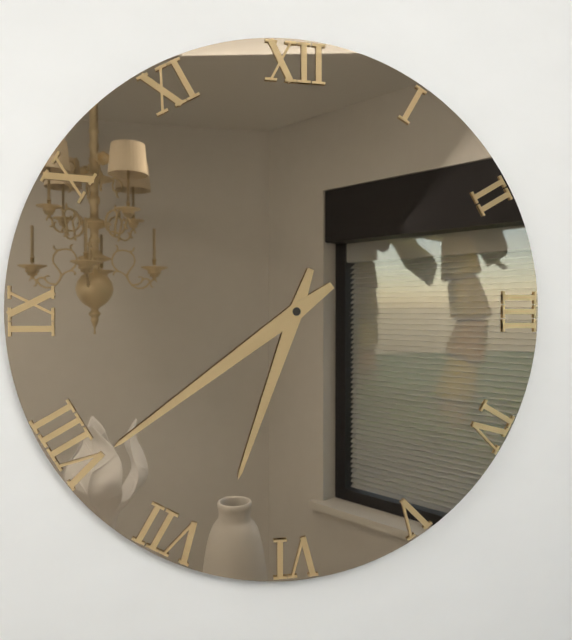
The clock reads 6.39
